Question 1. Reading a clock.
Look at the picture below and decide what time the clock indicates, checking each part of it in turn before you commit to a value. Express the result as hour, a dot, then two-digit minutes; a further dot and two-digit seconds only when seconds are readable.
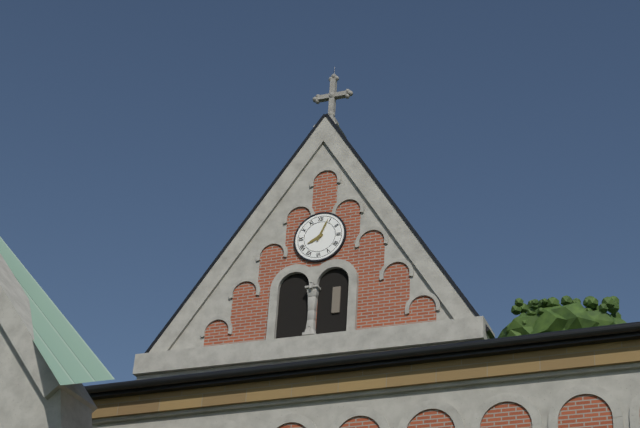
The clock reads 8.04
